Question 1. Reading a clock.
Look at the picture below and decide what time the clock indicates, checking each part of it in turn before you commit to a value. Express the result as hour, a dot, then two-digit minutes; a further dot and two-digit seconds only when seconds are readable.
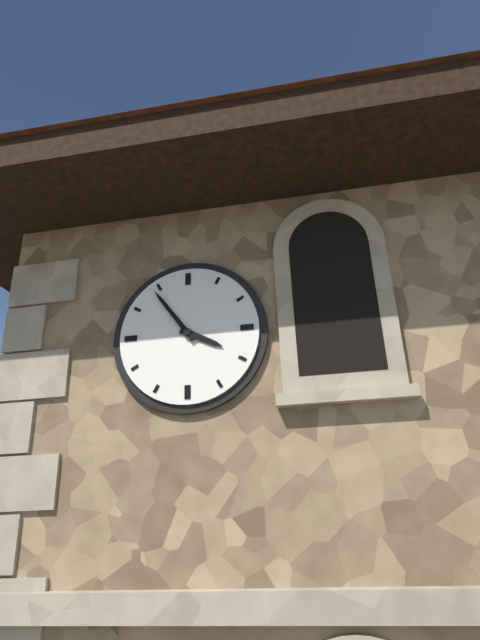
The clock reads 3.54
